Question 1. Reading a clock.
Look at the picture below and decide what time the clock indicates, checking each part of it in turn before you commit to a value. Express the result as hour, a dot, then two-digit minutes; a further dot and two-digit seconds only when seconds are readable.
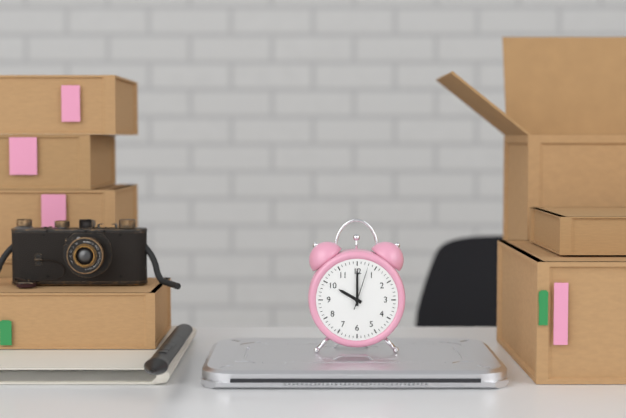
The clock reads 10.00
